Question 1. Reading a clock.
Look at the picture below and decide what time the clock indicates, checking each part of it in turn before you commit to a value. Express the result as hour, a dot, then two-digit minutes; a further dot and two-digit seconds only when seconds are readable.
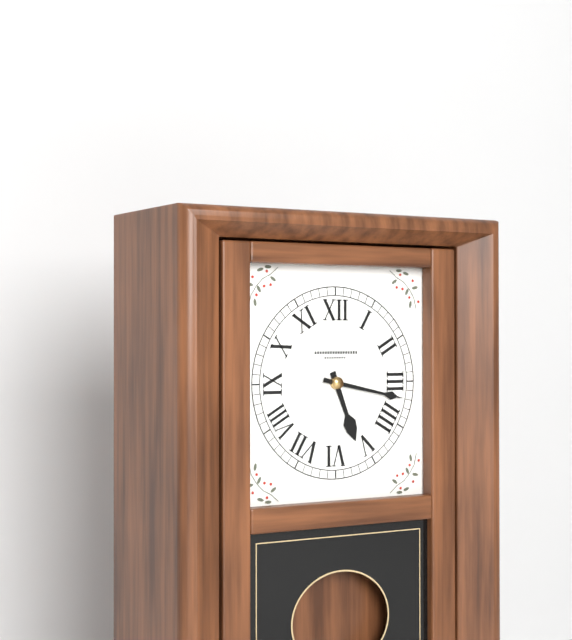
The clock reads 5.17
